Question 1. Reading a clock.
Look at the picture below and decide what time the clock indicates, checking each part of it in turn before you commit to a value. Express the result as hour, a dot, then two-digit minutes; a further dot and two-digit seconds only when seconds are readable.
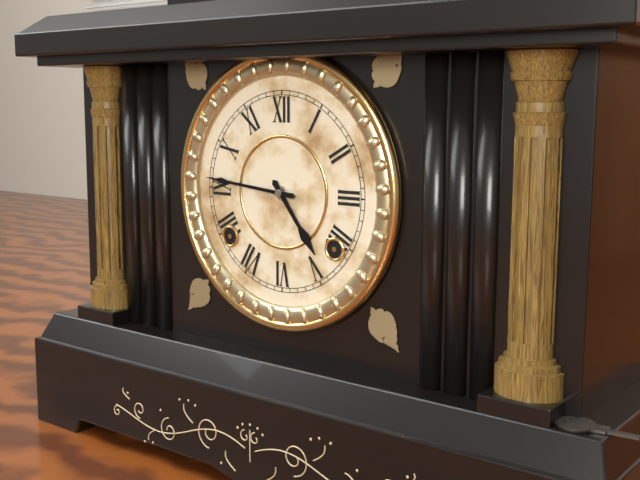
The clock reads 4.46
